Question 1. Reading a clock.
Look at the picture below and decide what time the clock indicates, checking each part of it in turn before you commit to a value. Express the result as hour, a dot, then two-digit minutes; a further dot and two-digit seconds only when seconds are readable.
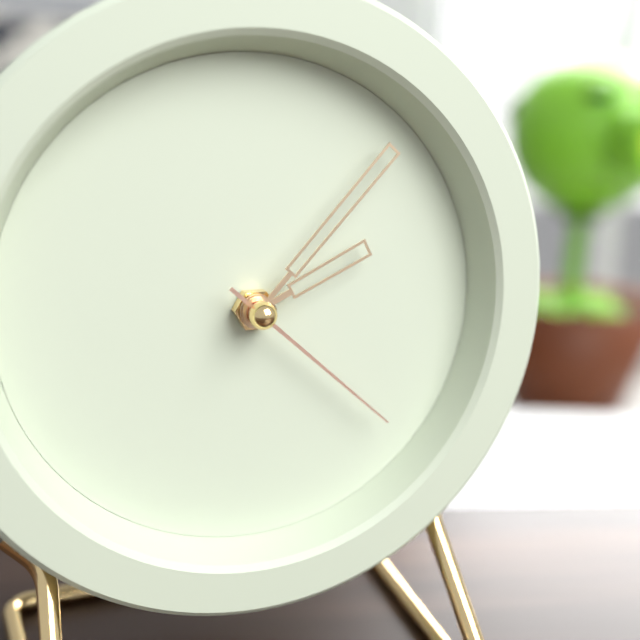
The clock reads 2.07.22
